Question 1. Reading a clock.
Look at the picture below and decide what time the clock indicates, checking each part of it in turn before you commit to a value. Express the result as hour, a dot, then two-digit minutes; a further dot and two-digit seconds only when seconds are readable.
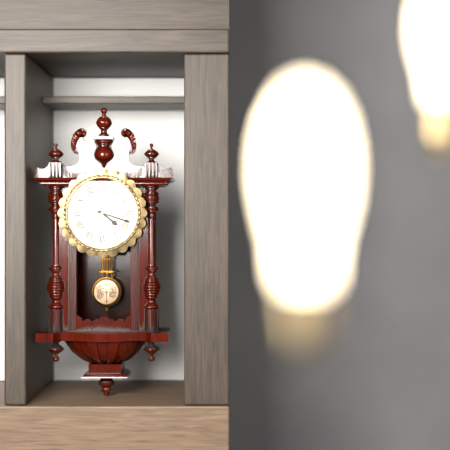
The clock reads 4.18
